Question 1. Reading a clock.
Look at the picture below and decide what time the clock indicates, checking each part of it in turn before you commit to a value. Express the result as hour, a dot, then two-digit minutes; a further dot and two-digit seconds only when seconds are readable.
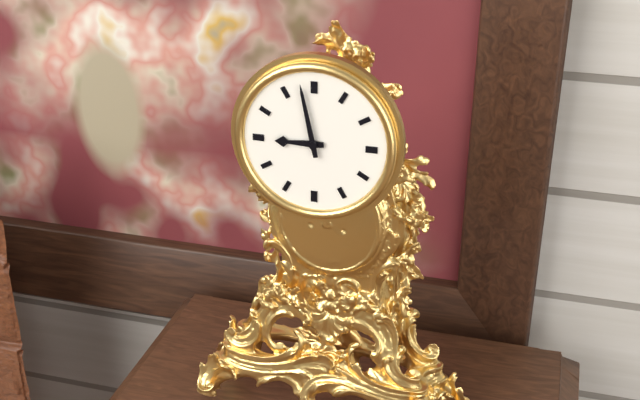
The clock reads 8.58
